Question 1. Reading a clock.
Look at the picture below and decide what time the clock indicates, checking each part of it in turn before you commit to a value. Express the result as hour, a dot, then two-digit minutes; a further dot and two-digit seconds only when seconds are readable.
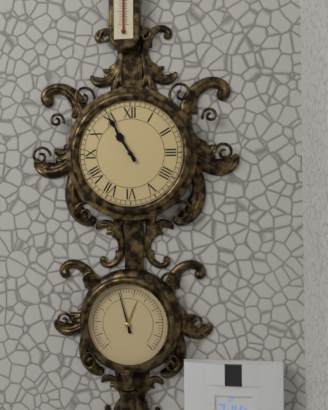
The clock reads 10.55
